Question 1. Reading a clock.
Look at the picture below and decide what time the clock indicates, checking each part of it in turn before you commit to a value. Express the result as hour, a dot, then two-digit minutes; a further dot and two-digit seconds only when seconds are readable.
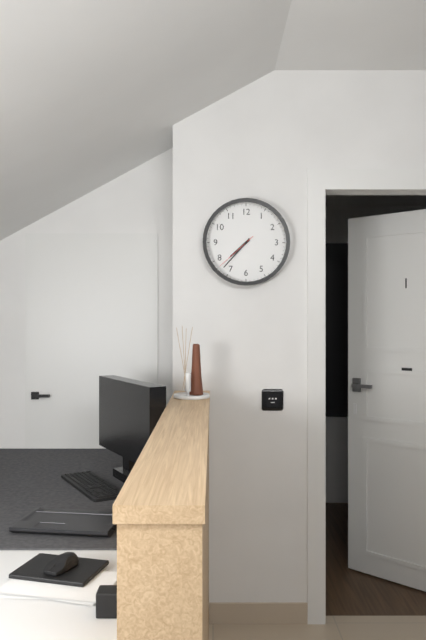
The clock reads 7.37
